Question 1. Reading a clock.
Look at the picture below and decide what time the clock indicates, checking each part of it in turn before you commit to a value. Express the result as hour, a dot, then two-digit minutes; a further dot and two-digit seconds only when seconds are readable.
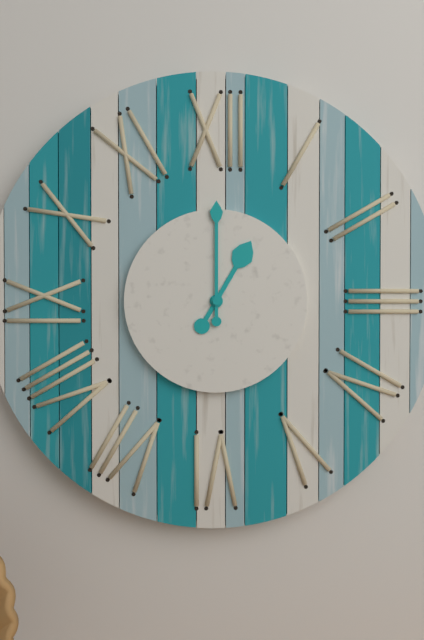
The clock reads 1.00
